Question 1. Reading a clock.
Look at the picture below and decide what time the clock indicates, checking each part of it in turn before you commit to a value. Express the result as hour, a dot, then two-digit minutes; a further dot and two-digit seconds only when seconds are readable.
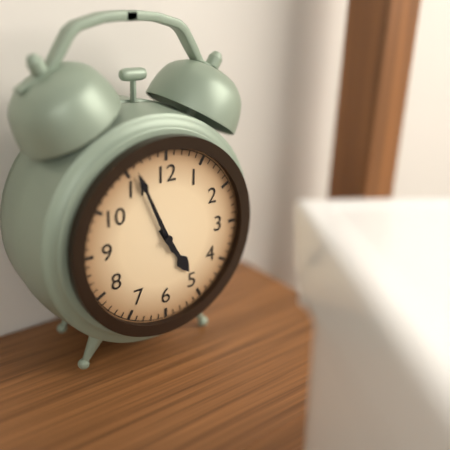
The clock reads 4.56
